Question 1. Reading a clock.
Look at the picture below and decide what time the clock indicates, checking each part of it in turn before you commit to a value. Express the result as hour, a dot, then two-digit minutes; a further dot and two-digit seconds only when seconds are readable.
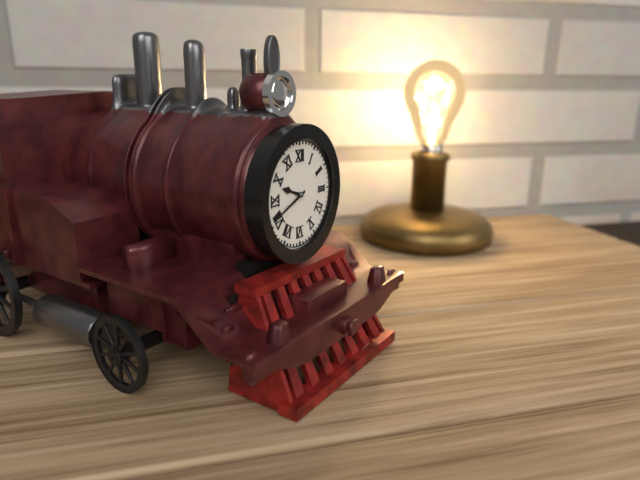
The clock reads 9.41
